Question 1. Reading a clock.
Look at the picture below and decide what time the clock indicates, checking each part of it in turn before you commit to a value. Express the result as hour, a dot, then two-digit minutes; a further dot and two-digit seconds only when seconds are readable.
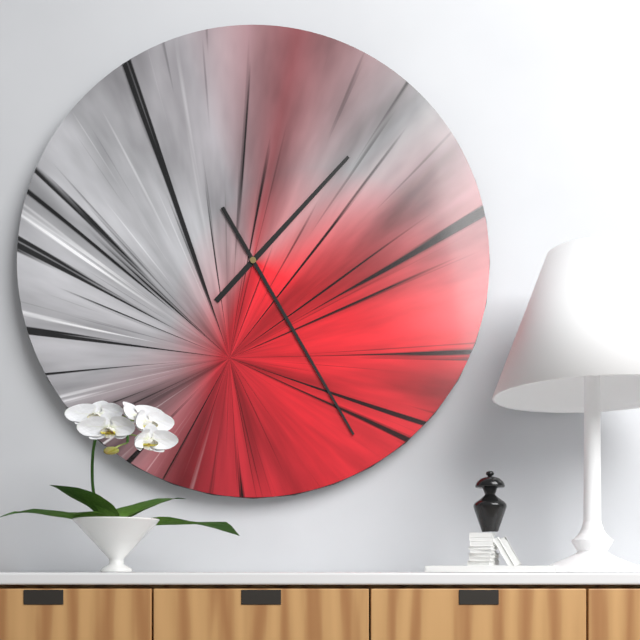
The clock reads 1.25
